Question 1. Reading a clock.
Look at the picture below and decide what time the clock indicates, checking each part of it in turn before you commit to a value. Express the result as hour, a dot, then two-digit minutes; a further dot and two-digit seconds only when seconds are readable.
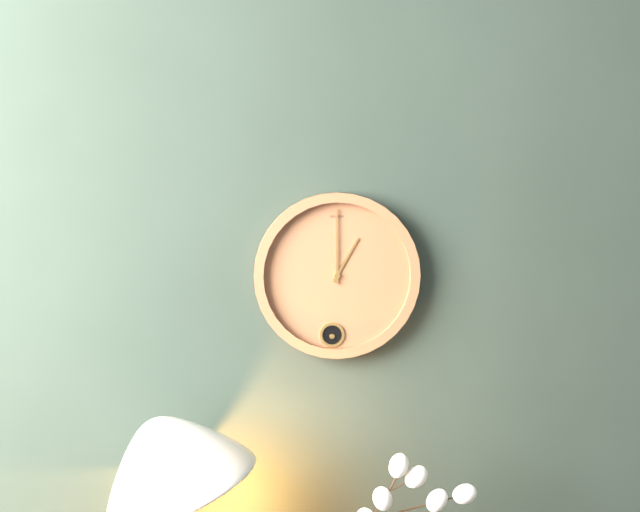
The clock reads 1.00
